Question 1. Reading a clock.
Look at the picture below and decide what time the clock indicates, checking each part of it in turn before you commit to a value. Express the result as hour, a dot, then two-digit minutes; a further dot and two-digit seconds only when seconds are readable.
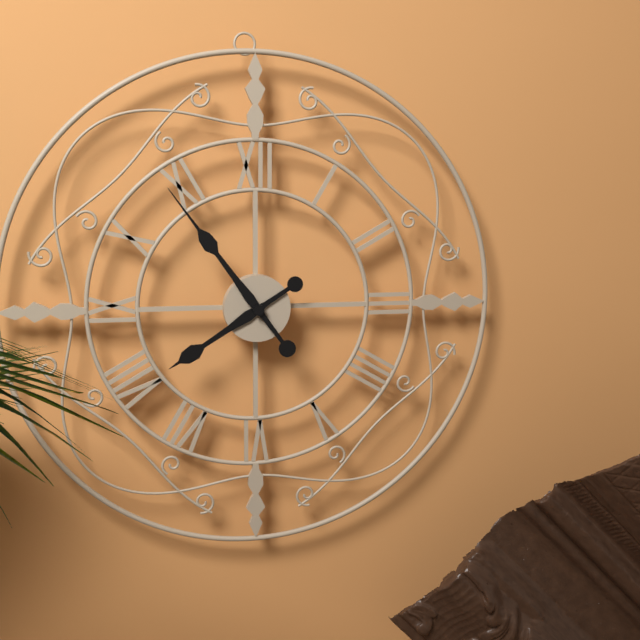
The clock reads 7.54
